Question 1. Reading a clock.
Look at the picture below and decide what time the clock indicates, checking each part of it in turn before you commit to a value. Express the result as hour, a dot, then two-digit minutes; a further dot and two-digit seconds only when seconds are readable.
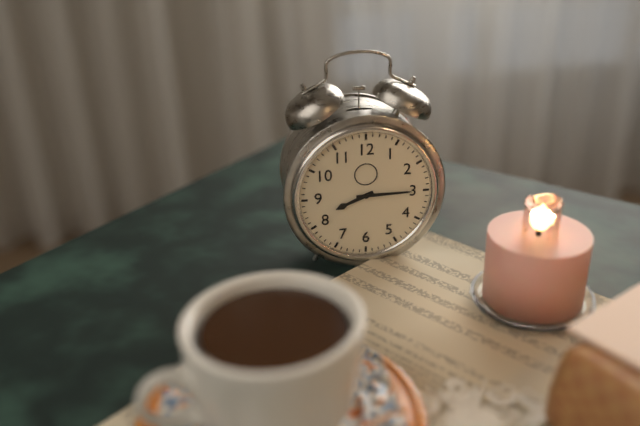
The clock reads 8.15
